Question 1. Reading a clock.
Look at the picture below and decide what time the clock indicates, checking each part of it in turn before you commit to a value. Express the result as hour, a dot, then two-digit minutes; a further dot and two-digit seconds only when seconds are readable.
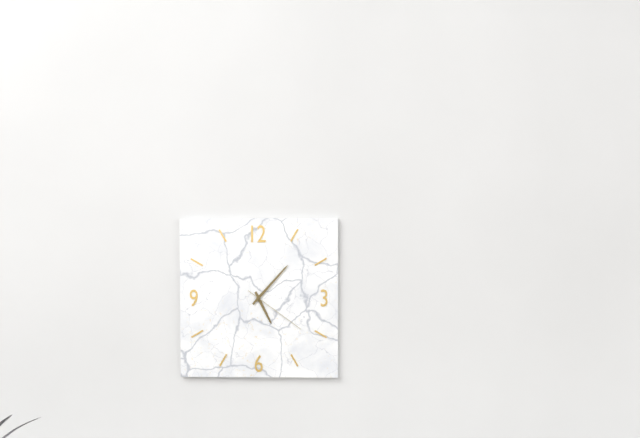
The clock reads 5.07.21
